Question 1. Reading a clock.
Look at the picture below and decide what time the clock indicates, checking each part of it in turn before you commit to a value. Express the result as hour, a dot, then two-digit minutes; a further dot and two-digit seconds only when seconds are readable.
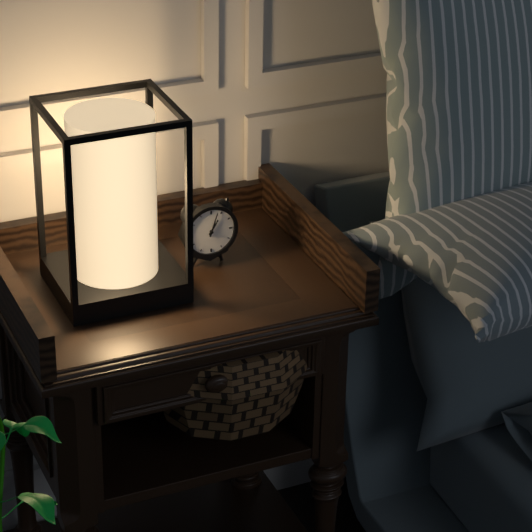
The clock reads 1.03
